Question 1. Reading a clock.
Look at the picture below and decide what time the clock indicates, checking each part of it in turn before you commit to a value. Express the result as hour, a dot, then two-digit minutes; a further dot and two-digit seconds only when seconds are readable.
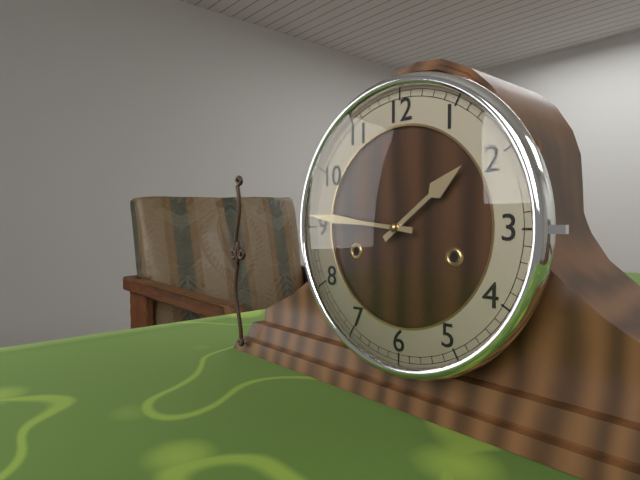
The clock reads 1.46
